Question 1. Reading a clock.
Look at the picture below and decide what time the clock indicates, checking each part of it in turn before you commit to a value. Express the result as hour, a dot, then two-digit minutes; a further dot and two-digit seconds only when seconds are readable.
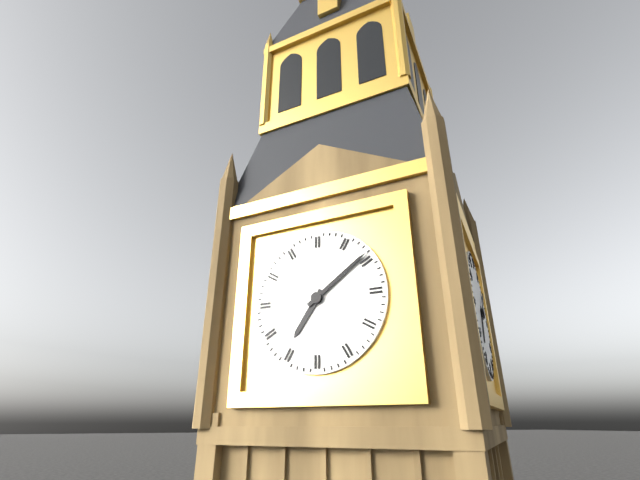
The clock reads 7.09
